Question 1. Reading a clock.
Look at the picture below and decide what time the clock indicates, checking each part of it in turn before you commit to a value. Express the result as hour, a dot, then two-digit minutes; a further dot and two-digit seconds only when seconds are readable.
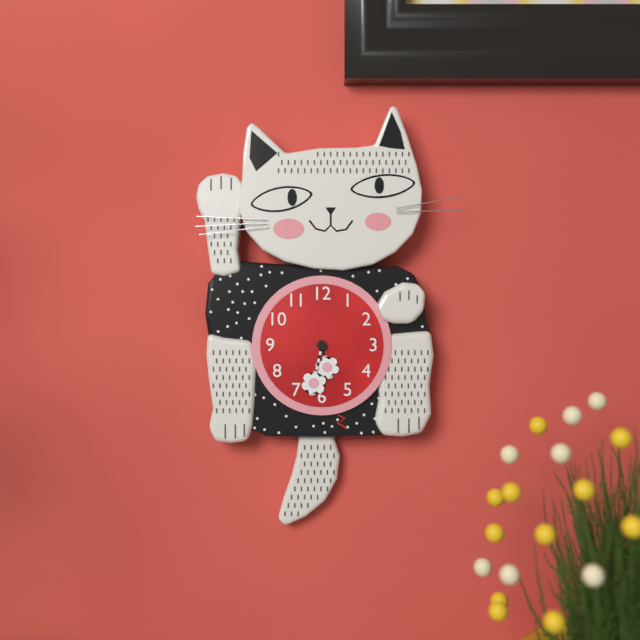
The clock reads 5.32
